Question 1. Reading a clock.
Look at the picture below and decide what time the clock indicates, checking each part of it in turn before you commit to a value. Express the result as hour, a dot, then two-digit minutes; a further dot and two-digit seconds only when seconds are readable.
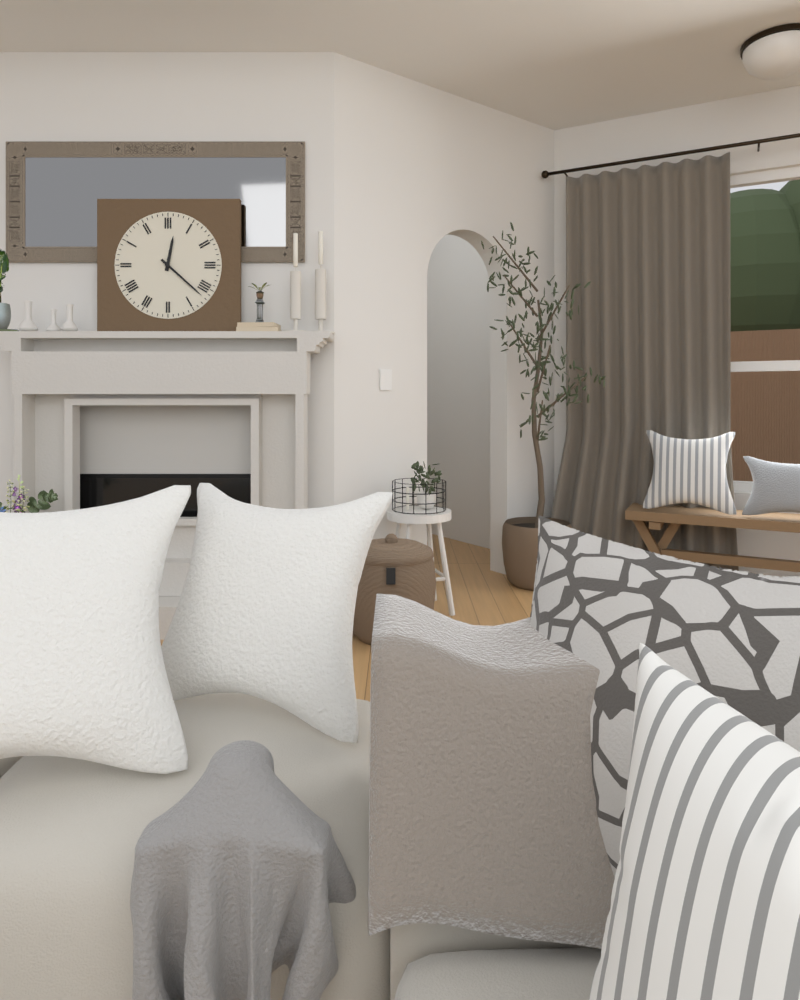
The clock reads 12.22
